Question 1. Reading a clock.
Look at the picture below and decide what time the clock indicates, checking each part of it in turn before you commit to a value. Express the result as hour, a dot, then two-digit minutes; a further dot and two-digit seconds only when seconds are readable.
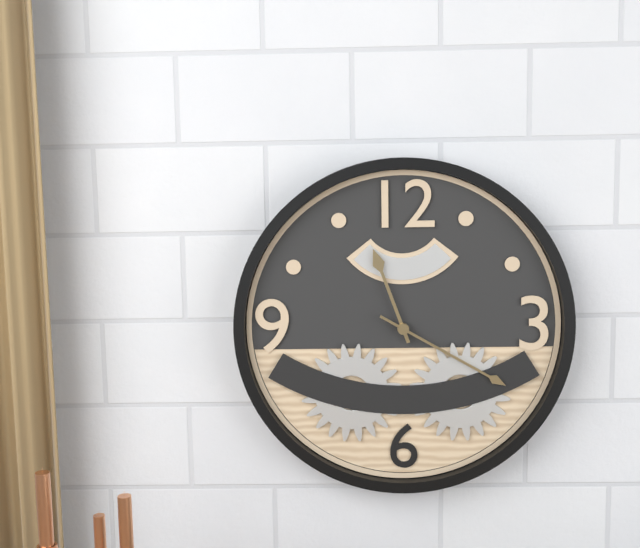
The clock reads 11.20
